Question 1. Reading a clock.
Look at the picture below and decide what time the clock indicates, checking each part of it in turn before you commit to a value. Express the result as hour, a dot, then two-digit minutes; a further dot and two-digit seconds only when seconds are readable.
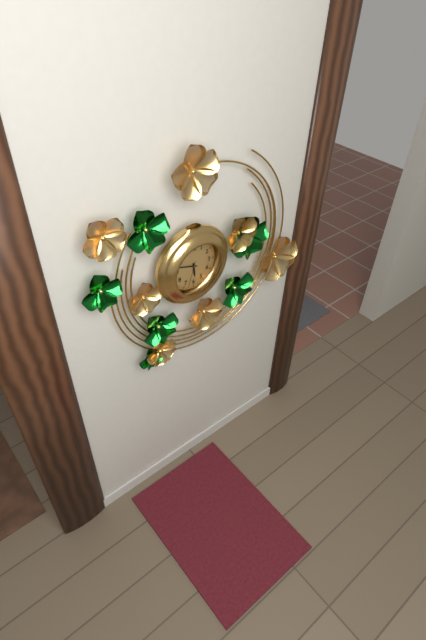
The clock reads 5.48
